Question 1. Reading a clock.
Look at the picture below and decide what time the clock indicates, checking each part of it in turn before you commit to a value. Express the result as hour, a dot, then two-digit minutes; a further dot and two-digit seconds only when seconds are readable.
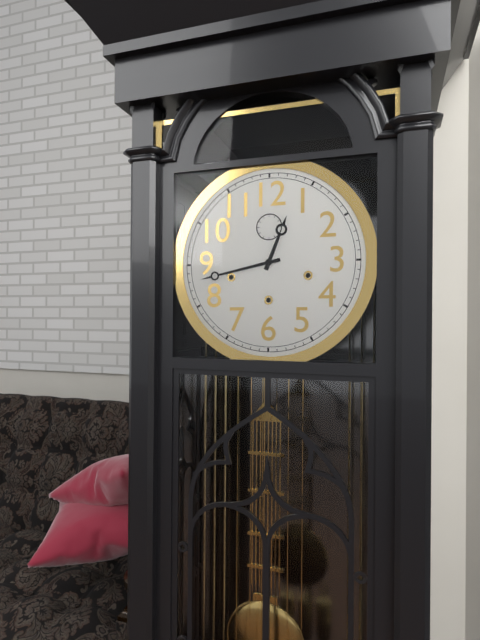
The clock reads 12.43
